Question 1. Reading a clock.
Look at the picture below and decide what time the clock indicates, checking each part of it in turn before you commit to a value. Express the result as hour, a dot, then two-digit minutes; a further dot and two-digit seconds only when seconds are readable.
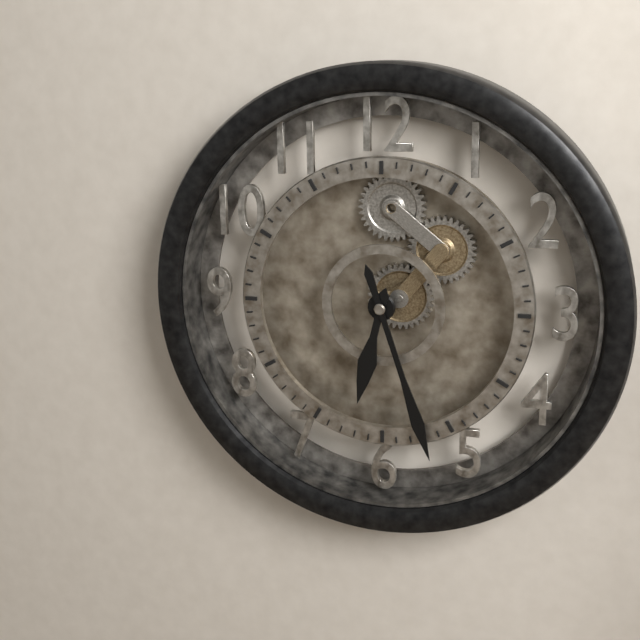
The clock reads 6.27
